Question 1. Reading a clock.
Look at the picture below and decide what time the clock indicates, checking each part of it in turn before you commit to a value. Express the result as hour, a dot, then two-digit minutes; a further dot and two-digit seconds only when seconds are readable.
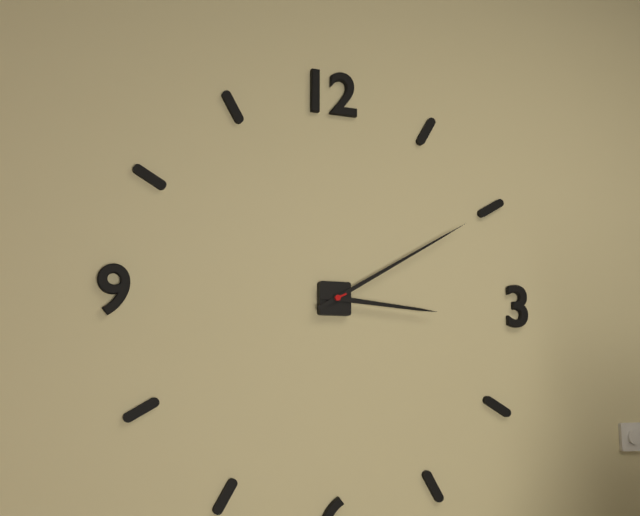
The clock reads 3.10
